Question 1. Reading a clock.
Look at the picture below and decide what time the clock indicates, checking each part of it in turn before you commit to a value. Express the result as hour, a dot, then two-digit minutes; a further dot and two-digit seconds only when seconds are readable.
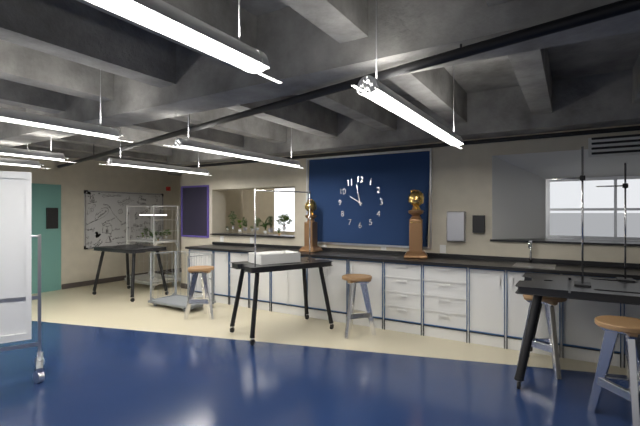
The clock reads 9.58
